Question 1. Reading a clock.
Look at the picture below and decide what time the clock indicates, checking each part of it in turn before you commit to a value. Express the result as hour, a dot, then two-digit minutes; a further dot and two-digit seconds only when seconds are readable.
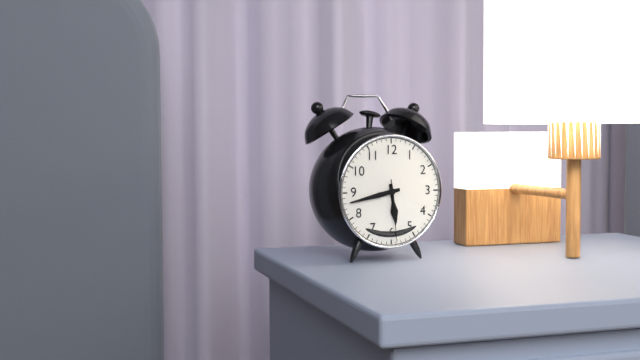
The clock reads 5.43.29
